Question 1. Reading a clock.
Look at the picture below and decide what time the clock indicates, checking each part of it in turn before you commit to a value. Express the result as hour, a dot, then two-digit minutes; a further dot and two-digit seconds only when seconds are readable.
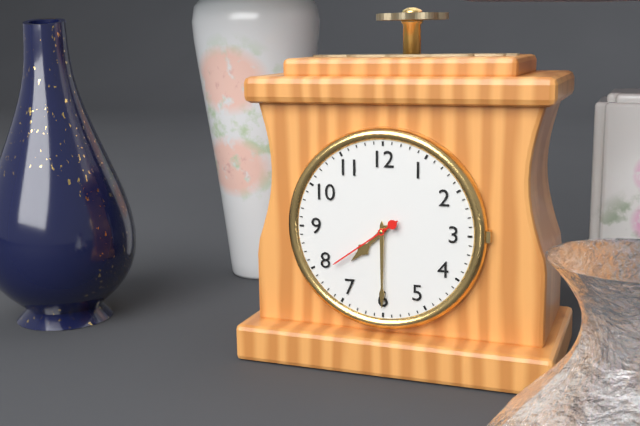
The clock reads 7.30.39
